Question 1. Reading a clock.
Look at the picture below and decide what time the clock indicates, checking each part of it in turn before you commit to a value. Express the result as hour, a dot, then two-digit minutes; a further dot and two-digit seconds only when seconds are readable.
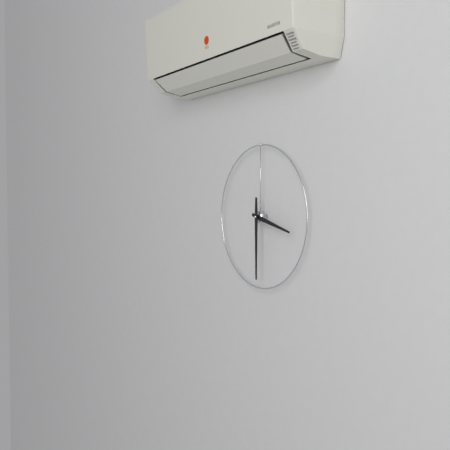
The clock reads 3.30
